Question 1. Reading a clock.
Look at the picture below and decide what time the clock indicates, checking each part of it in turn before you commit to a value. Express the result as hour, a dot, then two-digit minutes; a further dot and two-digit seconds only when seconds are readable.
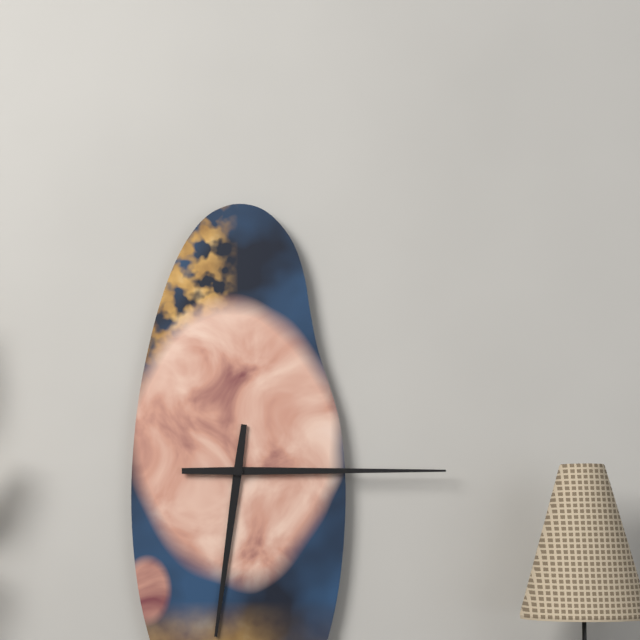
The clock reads 6.15
